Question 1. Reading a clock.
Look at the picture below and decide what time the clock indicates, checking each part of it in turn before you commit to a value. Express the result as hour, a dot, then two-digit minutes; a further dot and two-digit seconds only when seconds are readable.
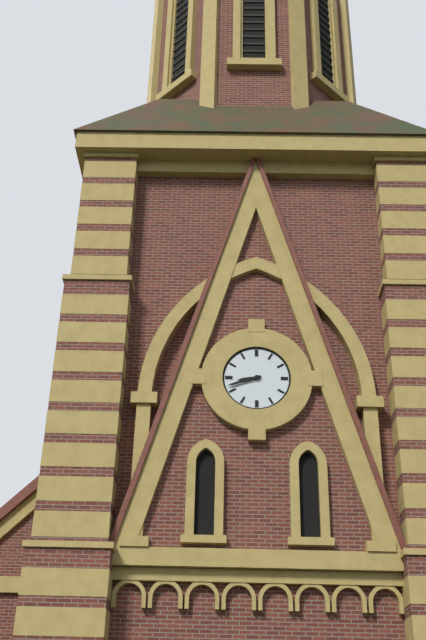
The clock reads 8.42
